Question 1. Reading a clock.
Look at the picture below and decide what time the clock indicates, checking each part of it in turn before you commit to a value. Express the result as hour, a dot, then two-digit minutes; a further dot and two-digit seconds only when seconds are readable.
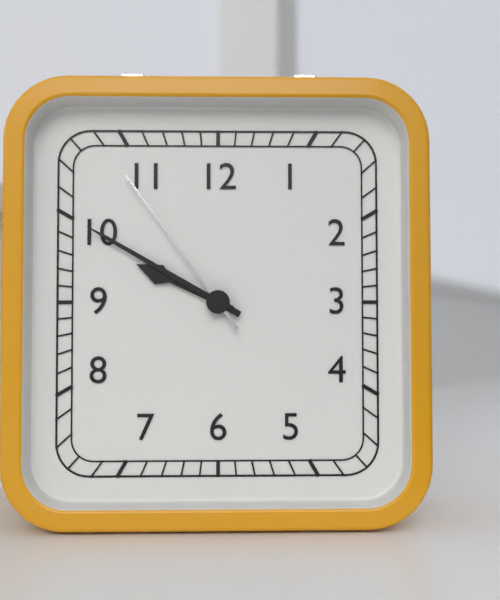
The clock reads 9.50.54
